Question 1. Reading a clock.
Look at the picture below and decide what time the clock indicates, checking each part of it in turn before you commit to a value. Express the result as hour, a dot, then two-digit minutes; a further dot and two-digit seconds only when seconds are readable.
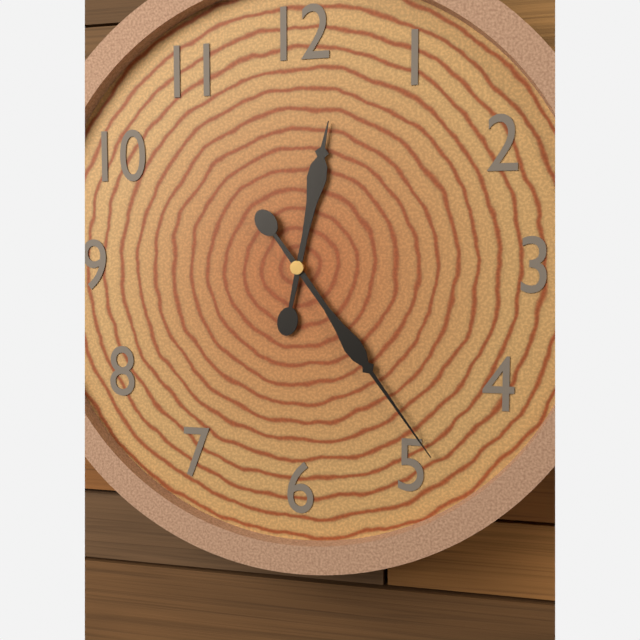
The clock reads 12.24
